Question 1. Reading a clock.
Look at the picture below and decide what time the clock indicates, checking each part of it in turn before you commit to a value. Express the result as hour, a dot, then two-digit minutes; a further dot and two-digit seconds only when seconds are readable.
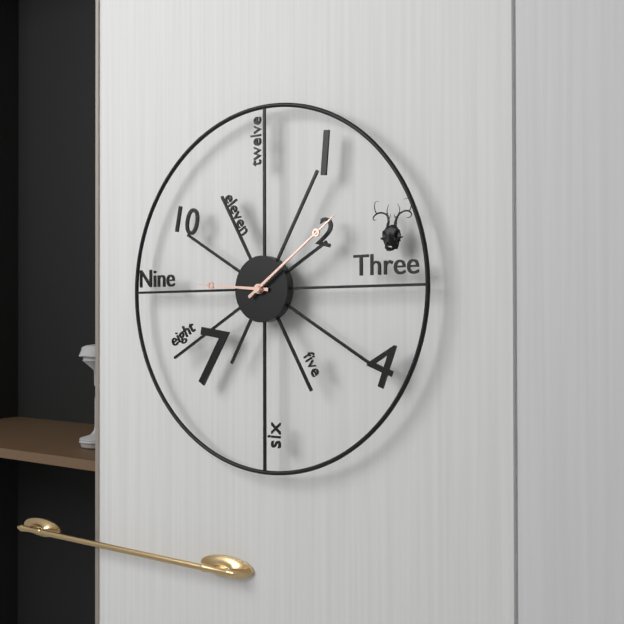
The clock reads 9.09
